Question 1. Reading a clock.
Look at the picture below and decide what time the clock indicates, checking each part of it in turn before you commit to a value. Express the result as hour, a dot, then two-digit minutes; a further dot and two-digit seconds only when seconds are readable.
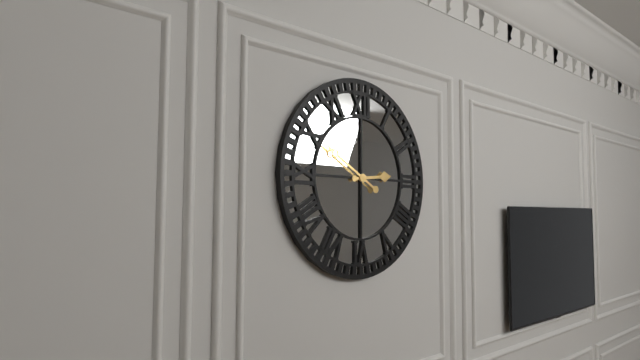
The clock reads 2.50
